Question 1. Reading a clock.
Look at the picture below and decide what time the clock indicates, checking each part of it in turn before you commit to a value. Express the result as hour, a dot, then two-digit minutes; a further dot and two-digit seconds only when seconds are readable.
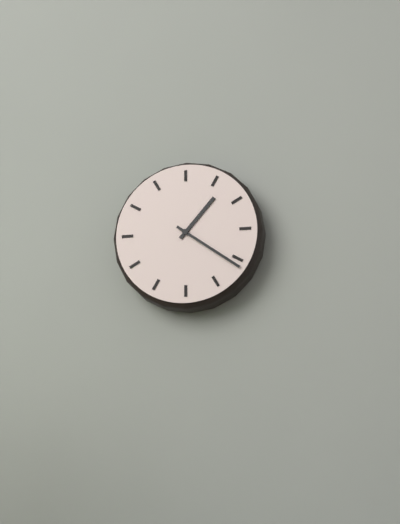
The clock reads 1.21
